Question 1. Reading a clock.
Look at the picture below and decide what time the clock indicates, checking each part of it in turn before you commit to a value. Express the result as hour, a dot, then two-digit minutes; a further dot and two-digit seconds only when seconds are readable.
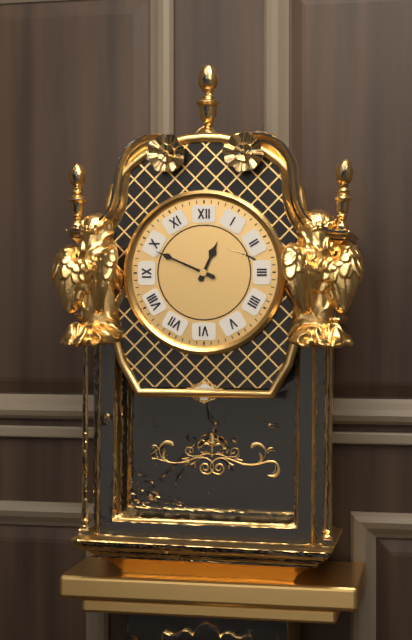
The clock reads 12.49
